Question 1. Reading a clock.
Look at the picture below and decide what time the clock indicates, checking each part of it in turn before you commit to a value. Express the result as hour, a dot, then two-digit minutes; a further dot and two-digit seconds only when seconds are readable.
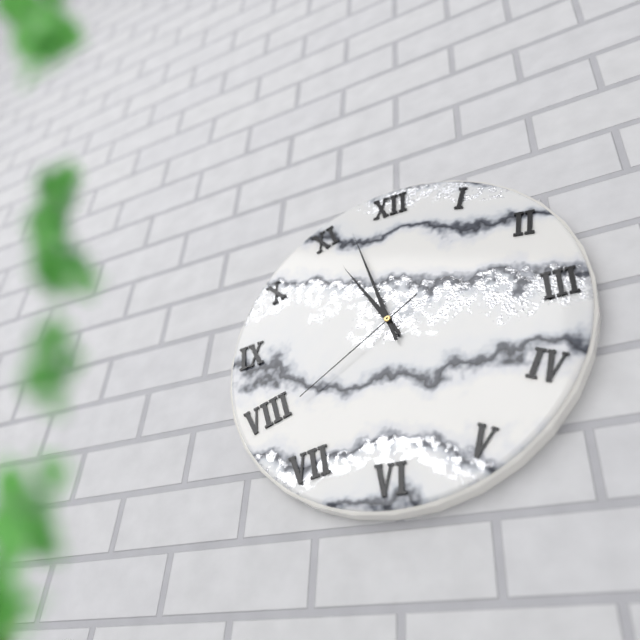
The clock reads 10.57.39
